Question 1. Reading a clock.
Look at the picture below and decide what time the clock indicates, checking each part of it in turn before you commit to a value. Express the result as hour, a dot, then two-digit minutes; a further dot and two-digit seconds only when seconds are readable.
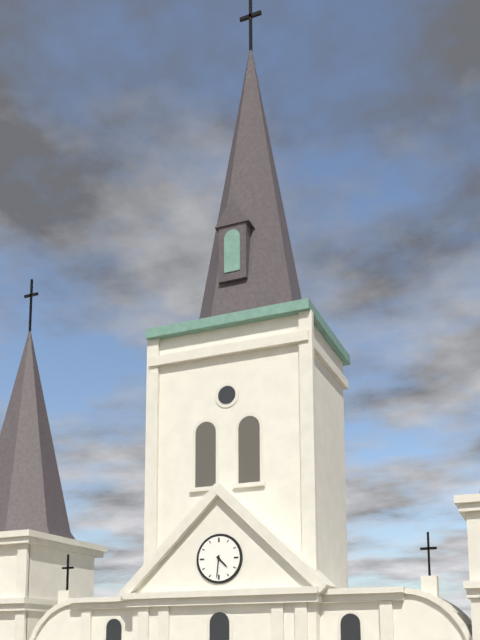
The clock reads 4.31
